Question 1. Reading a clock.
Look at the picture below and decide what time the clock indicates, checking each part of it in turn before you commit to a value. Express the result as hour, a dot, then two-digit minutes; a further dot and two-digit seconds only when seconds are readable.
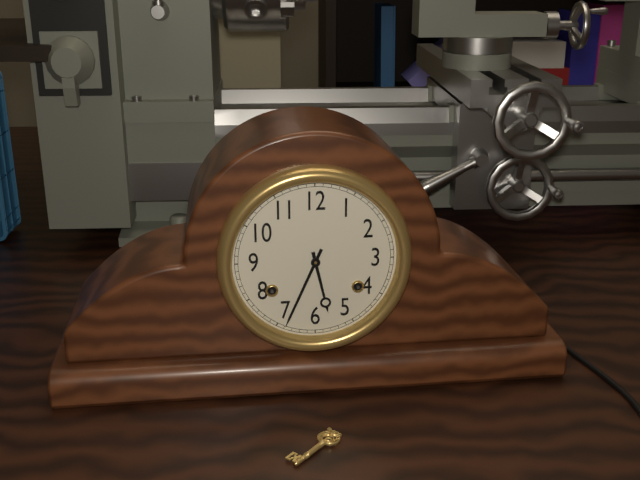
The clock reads 5.34
